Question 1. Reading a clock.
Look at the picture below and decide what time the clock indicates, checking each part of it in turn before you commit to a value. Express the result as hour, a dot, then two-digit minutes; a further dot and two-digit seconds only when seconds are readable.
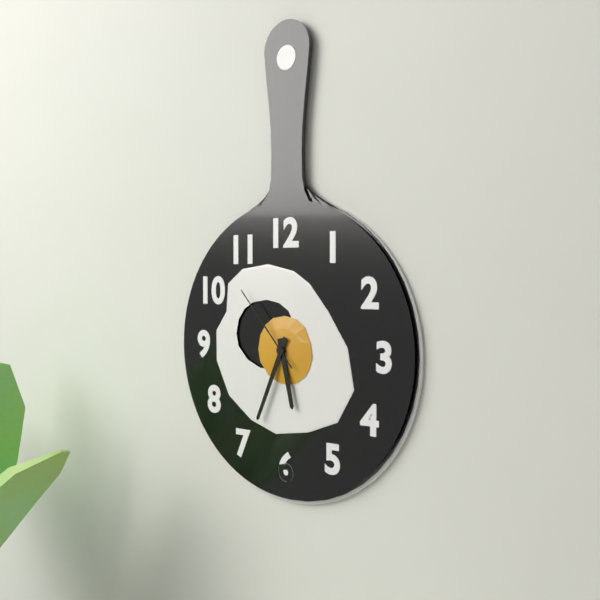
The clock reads 5.34.53
